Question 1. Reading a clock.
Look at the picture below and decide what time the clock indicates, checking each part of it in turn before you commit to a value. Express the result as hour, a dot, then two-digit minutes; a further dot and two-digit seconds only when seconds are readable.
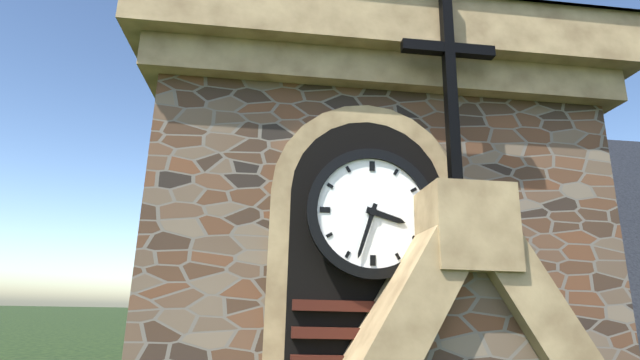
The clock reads 3.33
